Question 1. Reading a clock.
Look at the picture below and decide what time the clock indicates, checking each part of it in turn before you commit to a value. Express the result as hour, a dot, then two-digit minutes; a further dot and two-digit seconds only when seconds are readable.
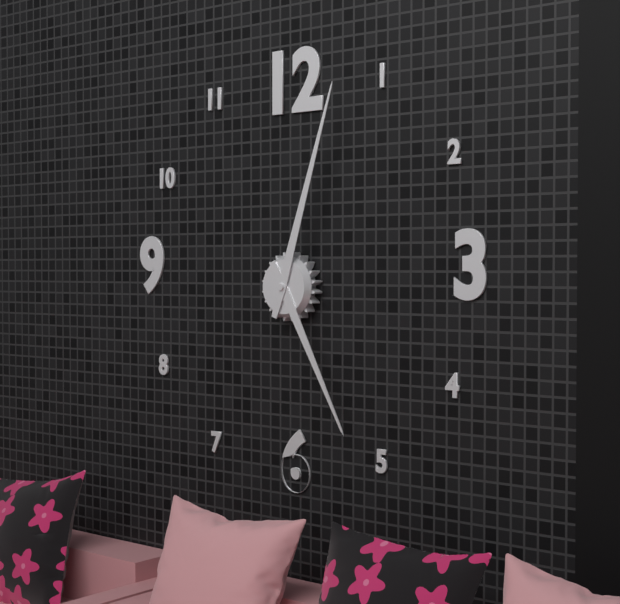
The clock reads 5.03
